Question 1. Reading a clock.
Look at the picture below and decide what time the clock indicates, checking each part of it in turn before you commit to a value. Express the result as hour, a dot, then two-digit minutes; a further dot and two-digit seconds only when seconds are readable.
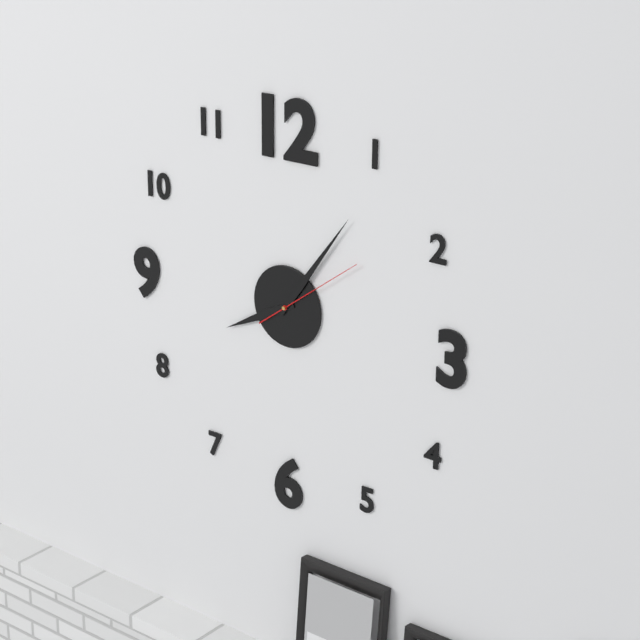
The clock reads 8.06.09
